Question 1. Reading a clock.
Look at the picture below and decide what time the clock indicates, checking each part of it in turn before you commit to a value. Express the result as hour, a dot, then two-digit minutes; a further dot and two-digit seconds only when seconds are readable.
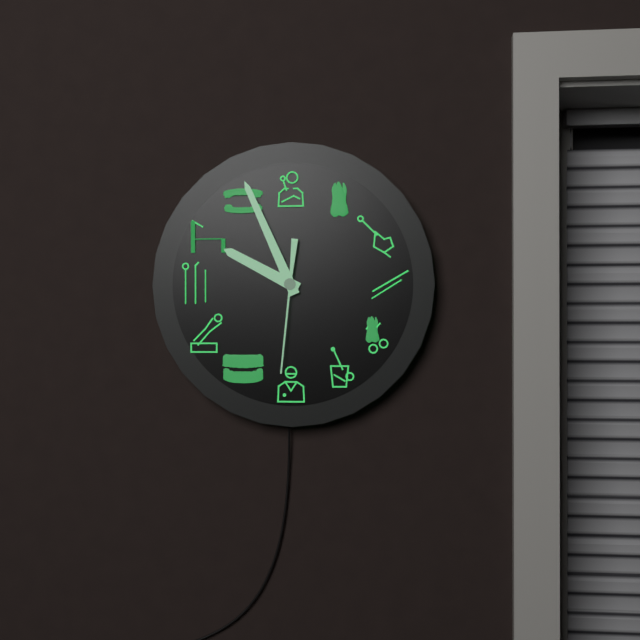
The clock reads 9.56.31
